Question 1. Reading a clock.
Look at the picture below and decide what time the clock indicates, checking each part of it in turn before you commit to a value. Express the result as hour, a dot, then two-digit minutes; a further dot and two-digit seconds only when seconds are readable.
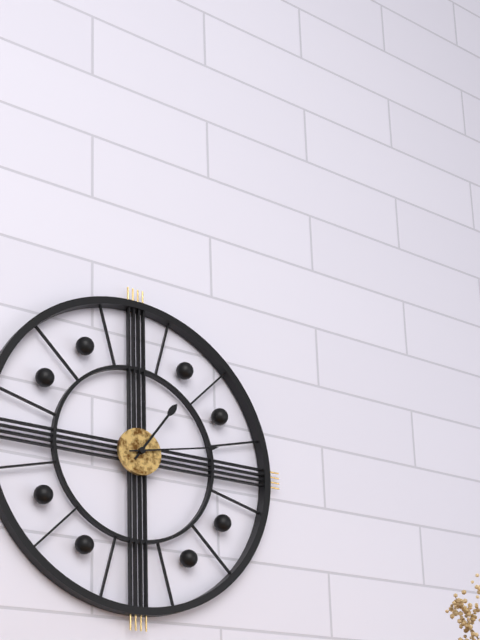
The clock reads 1.13
